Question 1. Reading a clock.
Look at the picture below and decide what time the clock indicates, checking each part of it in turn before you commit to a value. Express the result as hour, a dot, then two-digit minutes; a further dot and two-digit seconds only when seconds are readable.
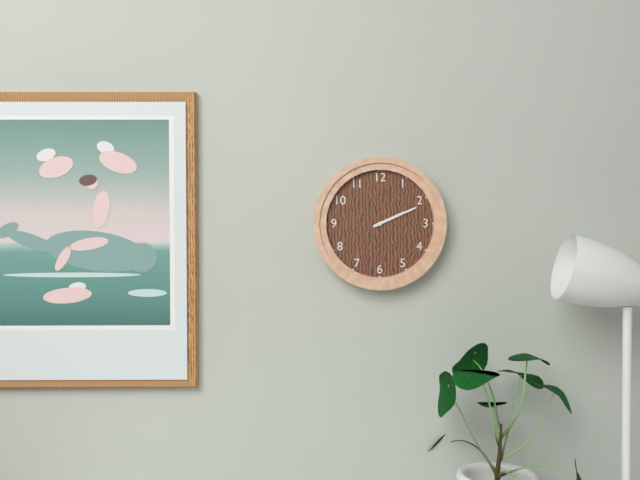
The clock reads 2.11
